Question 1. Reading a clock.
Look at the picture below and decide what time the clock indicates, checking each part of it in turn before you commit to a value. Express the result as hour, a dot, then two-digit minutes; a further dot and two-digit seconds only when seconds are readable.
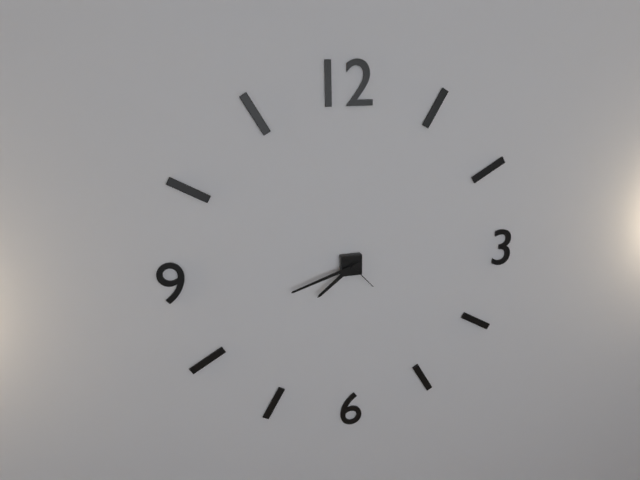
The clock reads 7.42
